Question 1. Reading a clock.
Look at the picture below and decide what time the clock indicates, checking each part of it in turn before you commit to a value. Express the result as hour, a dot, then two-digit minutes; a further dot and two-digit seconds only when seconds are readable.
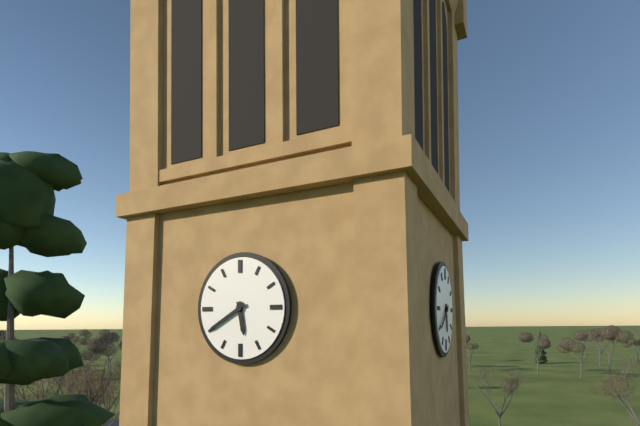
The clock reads 5.40
